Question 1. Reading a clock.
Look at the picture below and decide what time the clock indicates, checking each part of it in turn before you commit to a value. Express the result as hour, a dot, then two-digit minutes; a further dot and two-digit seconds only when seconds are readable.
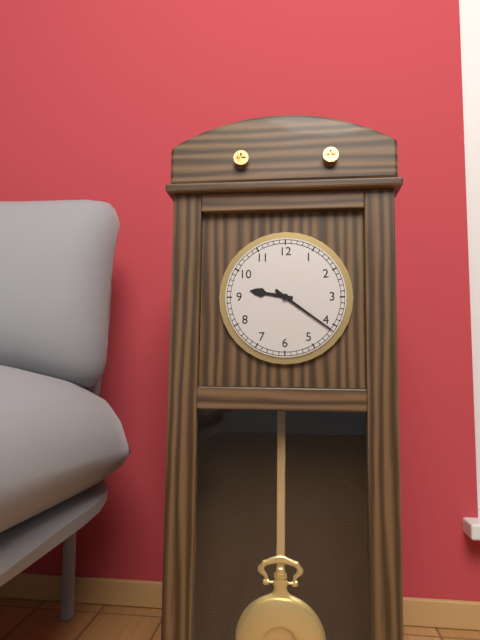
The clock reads 9.21
